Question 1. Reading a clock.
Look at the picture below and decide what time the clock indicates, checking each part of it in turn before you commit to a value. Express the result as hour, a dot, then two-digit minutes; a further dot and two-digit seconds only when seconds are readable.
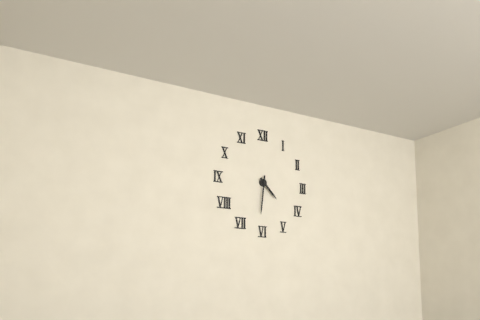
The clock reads 4.31
